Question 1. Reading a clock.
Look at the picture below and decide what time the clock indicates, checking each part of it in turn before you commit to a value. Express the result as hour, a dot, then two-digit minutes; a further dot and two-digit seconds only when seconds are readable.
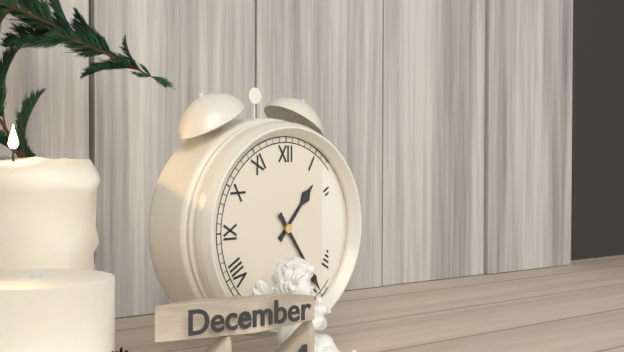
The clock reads 1.24
